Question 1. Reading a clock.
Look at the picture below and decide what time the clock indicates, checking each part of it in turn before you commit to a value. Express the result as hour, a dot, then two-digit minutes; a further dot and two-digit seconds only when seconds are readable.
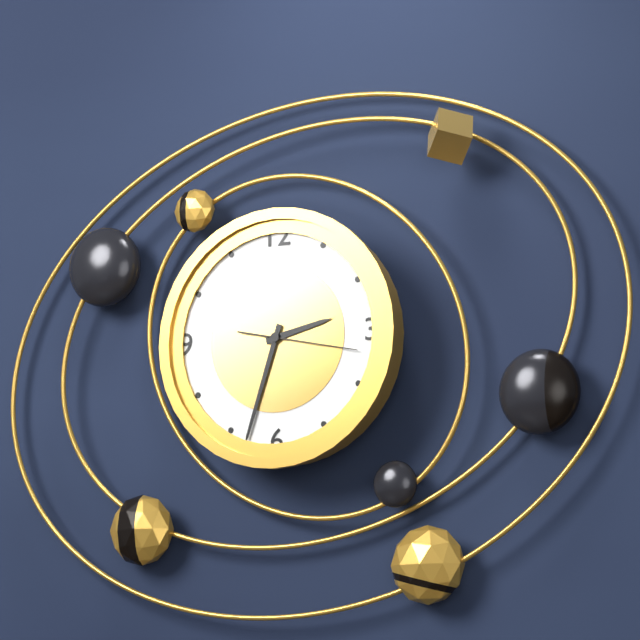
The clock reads 2.33.17
